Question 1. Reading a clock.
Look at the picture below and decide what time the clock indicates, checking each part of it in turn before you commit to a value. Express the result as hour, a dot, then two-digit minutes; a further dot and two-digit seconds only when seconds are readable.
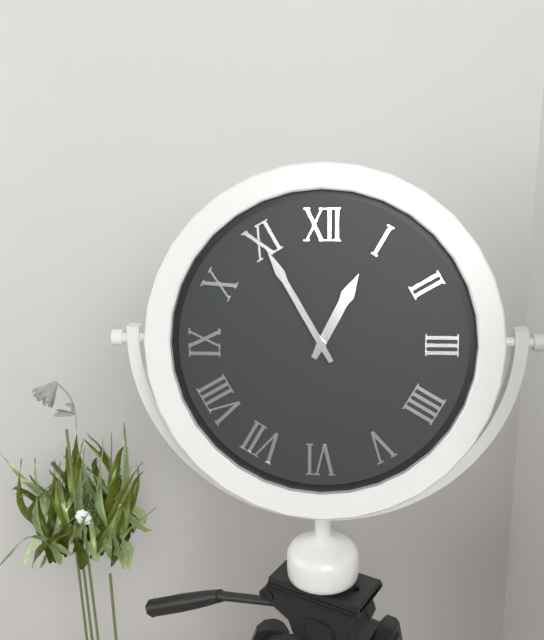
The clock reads 12.55
